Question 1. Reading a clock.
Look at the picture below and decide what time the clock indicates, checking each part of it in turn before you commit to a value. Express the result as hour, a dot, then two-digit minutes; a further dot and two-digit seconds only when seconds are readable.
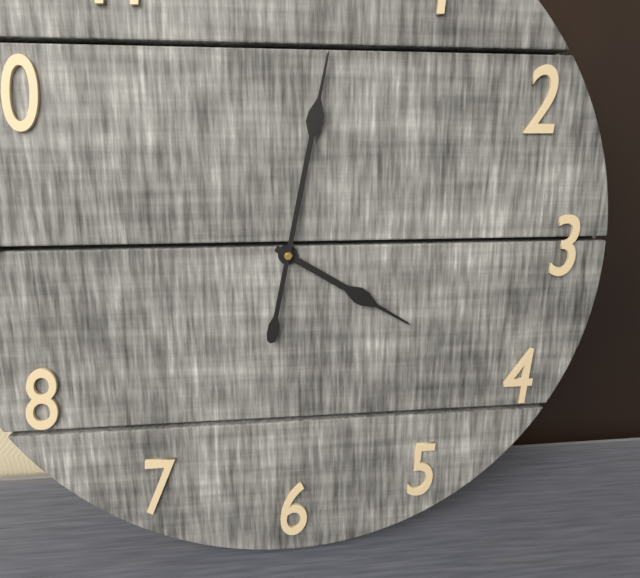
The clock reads 4.02
